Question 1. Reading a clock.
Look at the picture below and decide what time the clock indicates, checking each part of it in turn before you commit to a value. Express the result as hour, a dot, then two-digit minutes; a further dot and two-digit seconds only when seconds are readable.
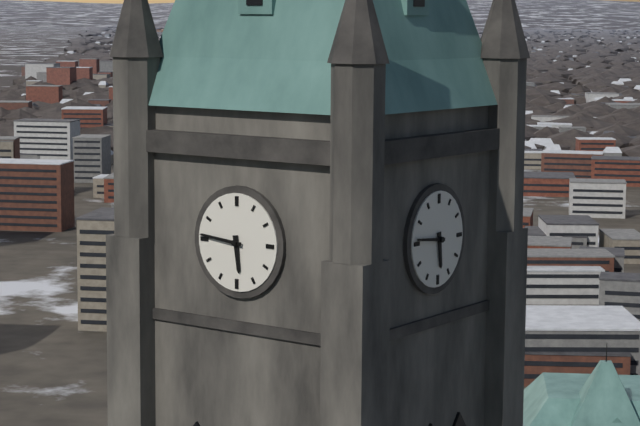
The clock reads 5.46
